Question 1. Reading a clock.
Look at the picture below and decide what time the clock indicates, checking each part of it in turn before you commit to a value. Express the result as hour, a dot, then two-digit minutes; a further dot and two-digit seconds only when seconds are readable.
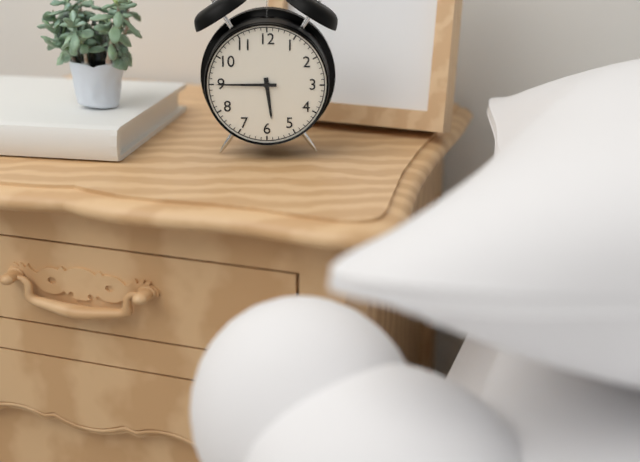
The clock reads 5.45
